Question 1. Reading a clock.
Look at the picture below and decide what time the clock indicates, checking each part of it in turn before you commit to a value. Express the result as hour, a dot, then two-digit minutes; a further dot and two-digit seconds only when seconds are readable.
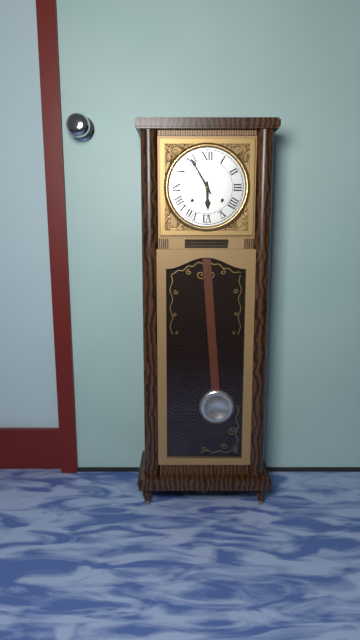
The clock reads 5.55
